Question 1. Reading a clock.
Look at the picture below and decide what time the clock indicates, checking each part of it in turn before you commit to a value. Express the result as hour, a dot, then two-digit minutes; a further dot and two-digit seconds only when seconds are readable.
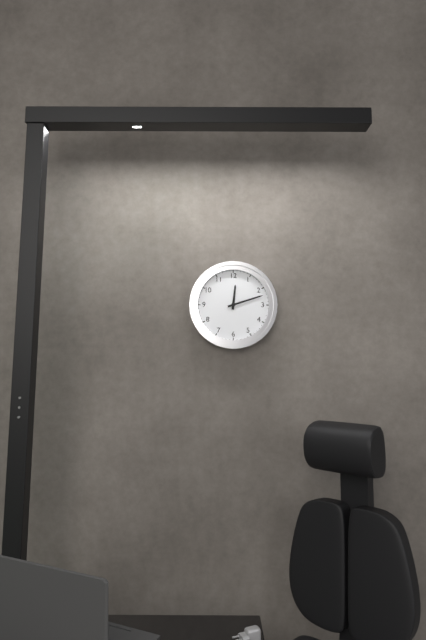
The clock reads 12.12
